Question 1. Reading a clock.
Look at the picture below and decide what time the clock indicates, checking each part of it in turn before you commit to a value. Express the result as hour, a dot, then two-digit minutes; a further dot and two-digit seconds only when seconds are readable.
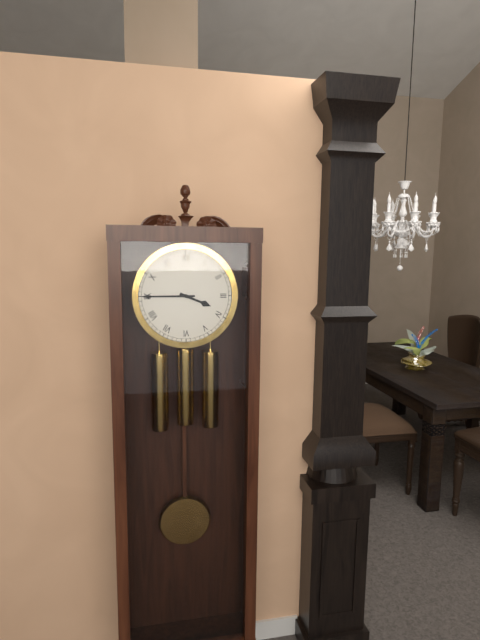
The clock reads 3.45
